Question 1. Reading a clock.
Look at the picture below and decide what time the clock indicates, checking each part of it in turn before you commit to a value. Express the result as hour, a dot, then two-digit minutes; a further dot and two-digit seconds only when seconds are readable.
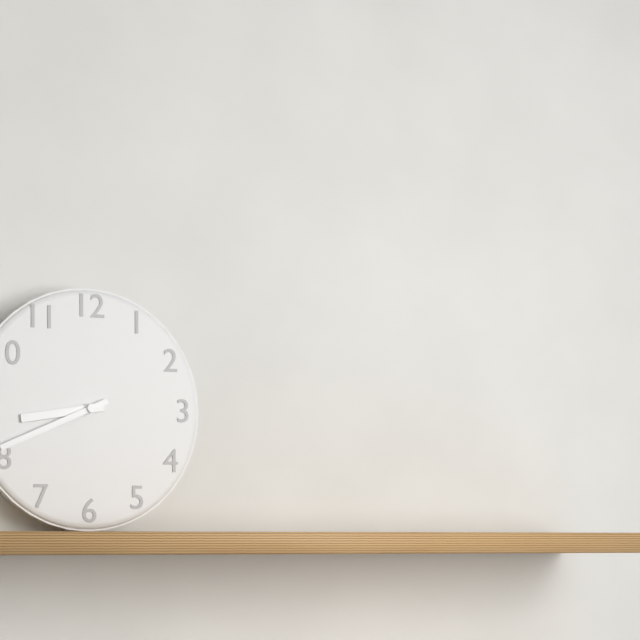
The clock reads 8.41
